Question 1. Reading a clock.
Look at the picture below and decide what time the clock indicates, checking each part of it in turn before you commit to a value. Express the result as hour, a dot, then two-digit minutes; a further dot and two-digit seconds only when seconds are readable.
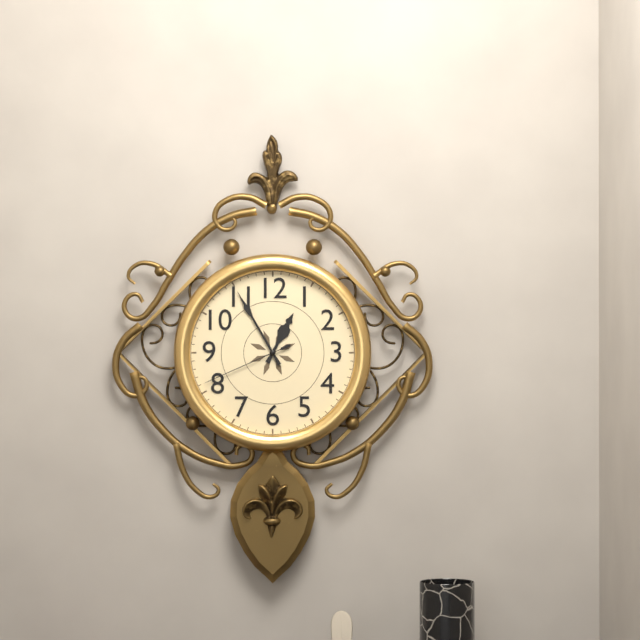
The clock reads 12.55.41
